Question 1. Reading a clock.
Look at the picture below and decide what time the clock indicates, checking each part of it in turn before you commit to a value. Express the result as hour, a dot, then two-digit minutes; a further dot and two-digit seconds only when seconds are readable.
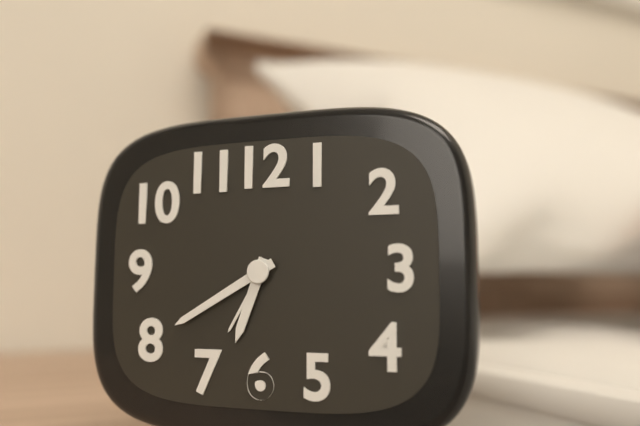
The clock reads 6.40
